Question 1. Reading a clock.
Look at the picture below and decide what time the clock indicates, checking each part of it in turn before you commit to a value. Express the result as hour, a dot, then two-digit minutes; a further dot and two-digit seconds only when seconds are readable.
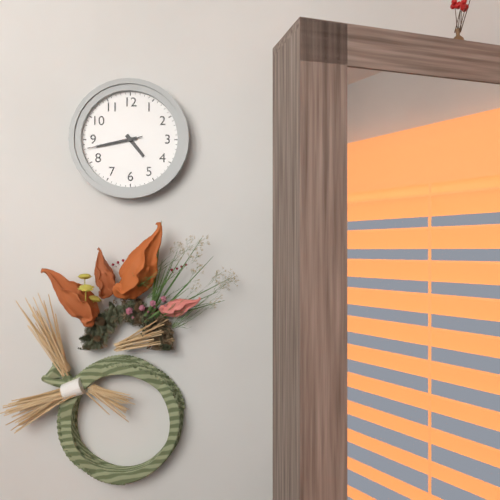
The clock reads 4.43.43
